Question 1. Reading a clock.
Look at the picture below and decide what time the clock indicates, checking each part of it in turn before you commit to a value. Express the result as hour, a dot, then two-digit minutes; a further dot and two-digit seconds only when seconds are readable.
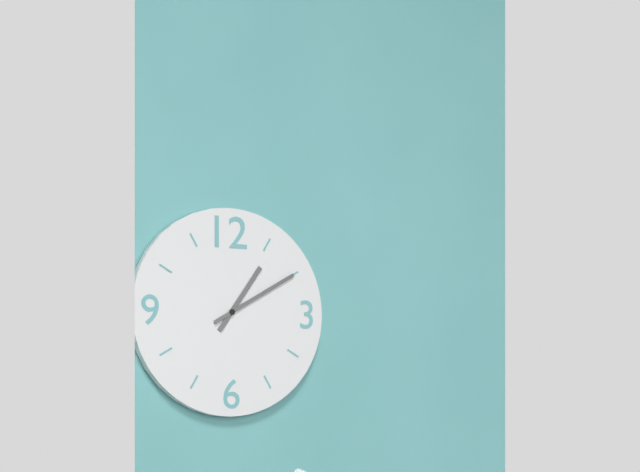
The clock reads 1.10
